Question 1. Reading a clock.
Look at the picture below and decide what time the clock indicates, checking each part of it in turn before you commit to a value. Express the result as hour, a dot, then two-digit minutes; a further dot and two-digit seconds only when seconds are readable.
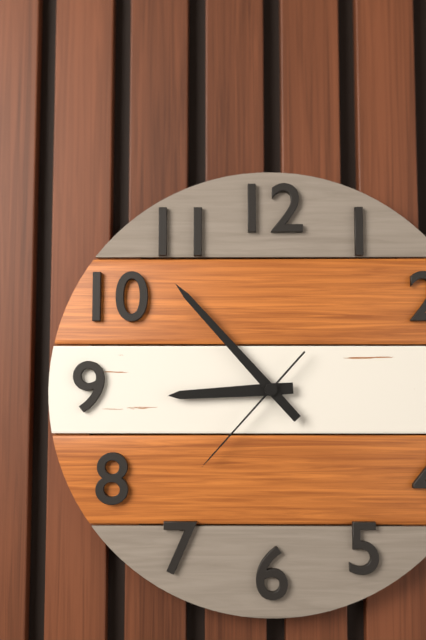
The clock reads 8.53.37
